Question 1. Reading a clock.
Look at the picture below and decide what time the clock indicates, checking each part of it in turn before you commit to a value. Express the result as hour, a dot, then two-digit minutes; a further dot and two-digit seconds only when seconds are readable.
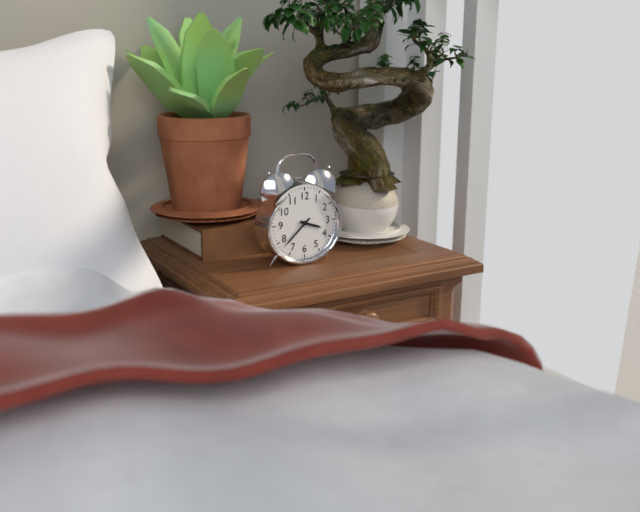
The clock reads 3.38
